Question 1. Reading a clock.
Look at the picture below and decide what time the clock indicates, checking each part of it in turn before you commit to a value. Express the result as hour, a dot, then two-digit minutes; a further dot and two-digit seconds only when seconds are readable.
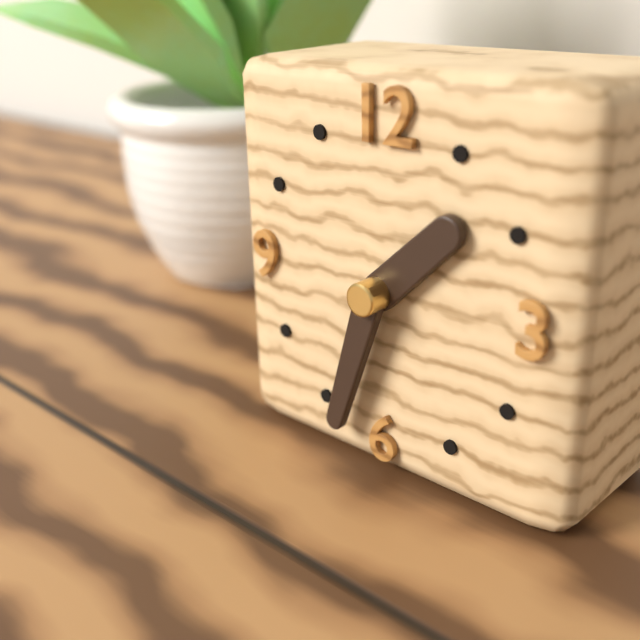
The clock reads 1.33
